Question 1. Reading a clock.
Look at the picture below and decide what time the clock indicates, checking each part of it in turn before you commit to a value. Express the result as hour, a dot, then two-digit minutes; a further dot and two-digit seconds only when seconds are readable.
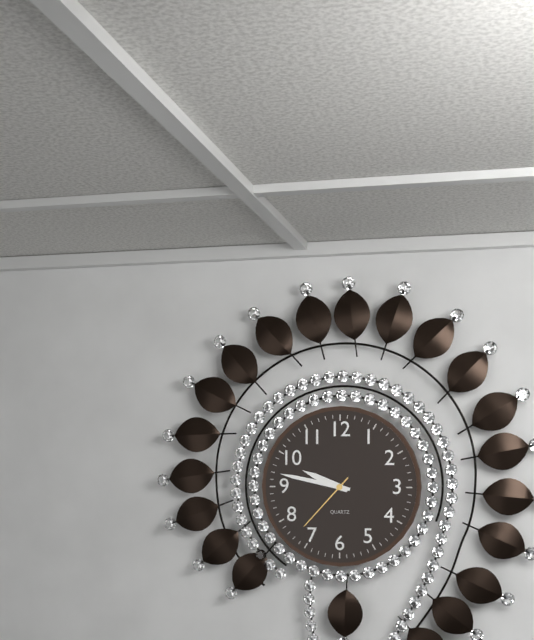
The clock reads 9.47.37
